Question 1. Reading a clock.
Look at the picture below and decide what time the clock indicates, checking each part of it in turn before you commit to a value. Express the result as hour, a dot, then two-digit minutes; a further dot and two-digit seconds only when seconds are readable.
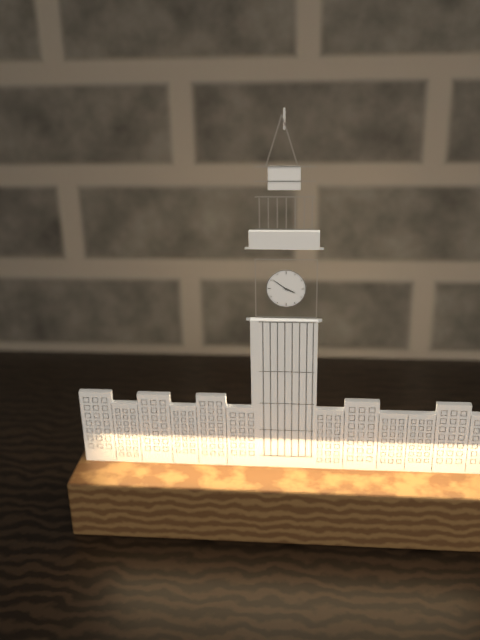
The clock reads 3.51
